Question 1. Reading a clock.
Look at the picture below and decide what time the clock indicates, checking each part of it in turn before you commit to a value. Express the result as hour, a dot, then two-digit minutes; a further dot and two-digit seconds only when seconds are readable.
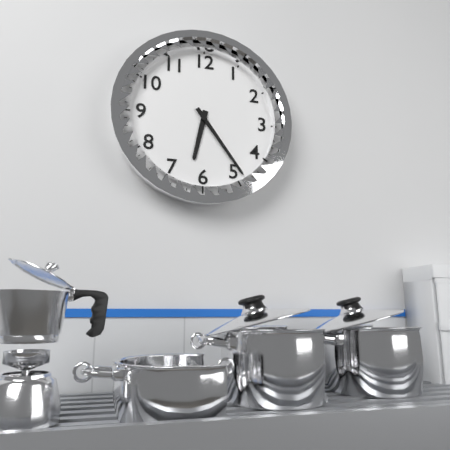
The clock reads 6.24
